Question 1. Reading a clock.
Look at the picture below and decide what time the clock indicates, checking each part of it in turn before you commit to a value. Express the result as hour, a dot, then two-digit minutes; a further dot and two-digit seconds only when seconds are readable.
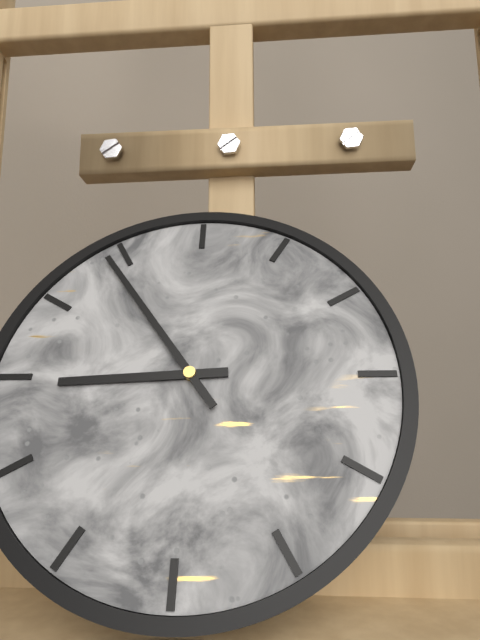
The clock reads 8.54
